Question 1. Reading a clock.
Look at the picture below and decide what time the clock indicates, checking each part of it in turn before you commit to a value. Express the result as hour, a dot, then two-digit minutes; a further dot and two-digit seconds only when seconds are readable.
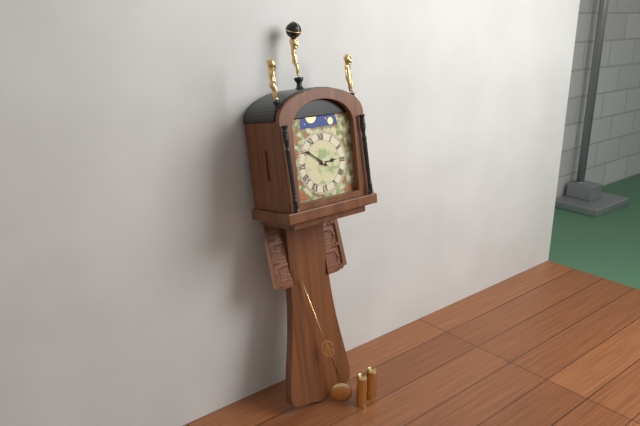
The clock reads 2.51
